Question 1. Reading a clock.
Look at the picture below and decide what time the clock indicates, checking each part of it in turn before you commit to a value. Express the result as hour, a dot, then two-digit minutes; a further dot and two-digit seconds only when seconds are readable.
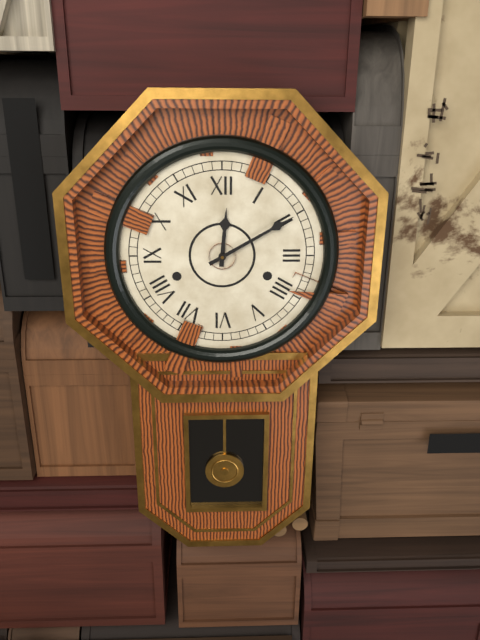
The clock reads 12.10
